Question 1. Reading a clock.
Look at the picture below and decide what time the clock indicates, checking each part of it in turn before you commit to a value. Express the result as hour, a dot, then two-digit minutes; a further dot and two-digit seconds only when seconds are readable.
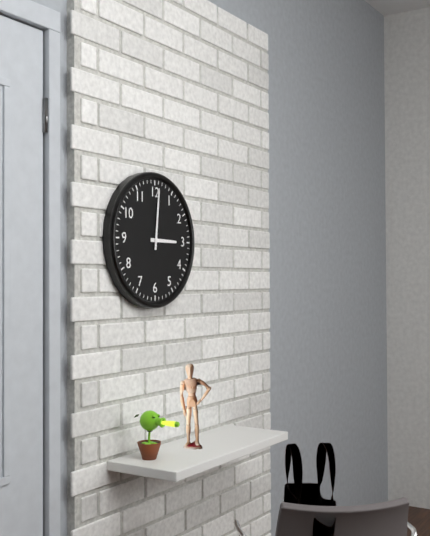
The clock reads 3.01
